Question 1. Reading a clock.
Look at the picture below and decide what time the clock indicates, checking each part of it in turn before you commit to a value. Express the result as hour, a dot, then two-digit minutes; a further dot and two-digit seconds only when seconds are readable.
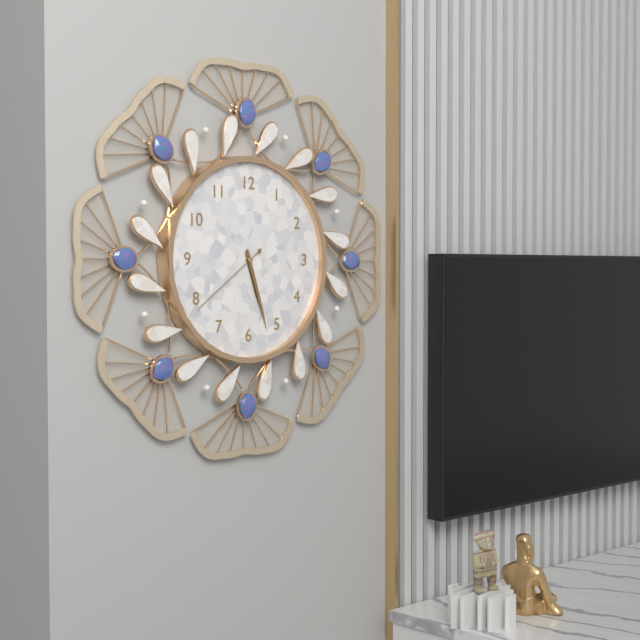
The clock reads 5.27.39
